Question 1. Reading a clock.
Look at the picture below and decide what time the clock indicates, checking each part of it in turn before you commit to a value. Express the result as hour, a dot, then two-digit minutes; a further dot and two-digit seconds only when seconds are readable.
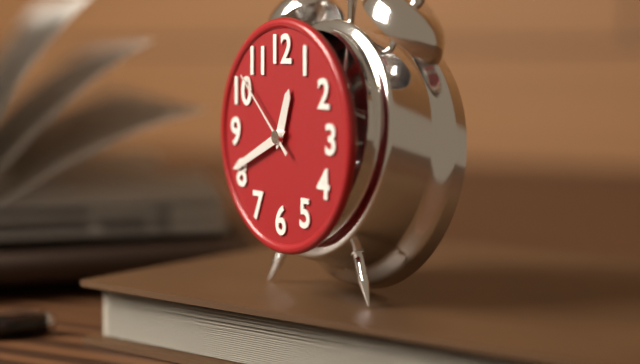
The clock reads 12.41.52
